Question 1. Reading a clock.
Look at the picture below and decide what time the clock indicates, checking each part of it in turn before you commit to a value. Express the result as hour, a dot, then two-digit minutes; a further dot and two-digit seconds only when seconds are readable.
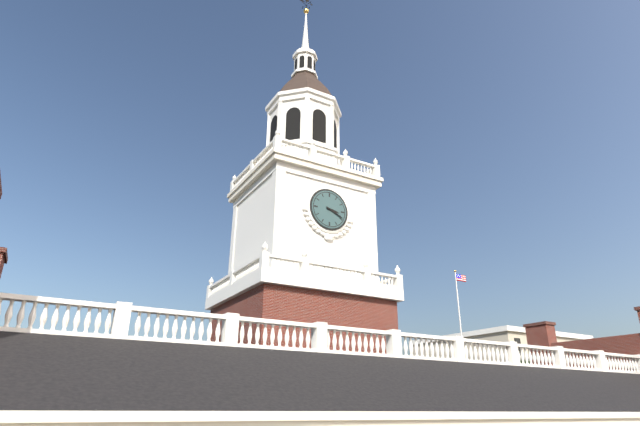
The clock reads 3.19
